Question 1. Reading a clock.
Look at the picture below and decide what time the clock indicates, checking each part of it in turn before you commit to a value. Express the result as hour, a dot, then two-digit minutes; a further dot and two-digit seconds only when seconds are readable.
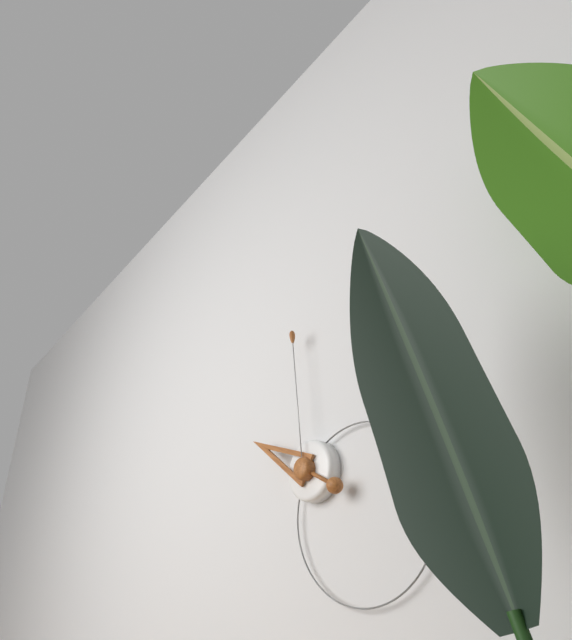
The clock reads 9.59
